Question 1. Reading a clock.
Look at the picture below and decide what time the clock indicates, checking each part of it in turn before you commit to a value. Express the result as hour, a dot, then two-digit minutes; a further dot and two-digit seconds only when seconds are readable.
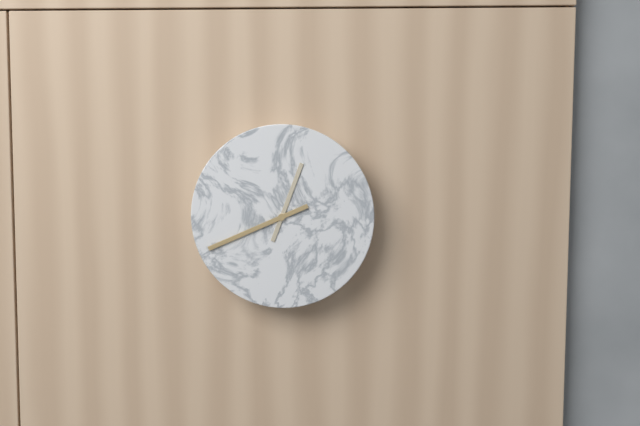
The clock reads 12.41
